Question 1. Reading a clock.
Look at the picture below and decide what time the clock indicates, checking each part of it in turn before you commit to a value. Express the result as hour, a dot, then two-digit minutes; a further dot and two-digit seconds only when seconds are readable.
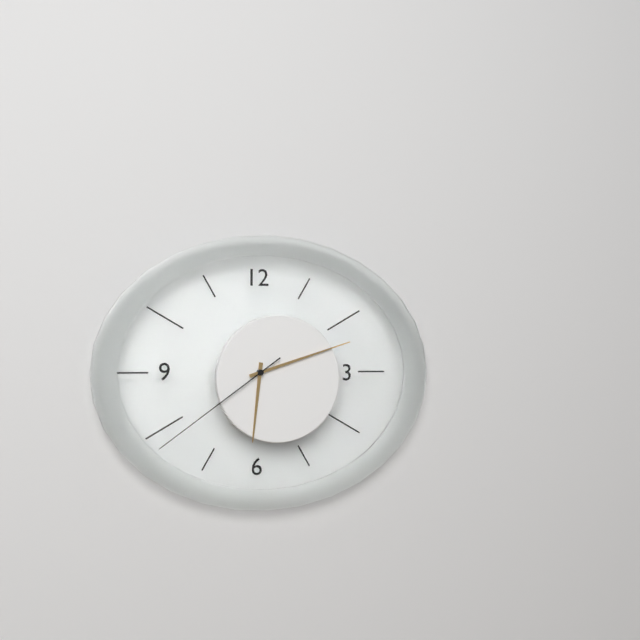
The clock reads 6.12.39
